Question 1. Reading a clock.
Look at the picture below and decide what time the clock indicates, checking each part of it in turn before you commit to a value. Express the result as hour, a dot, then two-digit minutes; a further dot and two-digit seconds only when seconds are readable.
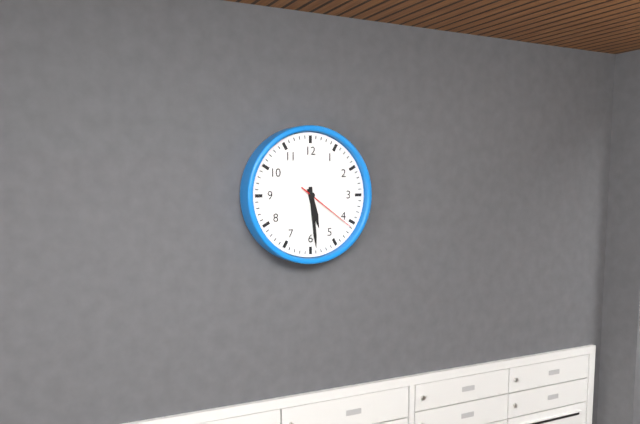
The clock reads 5.29.21
